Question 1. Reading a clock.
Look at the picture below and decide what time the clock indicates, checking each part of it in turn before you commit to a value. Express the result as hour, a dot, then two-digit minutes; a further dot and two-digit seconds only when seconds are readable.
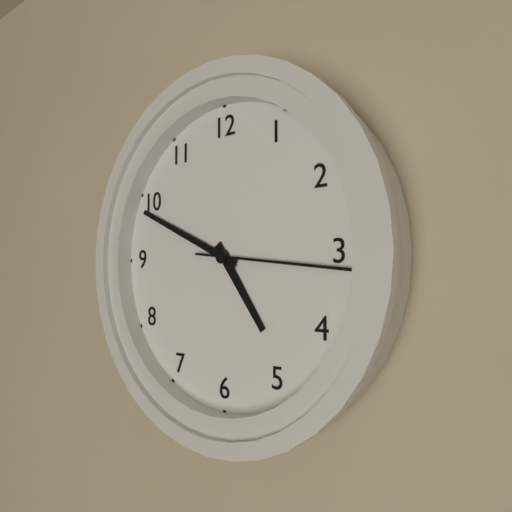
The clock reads 4.49.16
